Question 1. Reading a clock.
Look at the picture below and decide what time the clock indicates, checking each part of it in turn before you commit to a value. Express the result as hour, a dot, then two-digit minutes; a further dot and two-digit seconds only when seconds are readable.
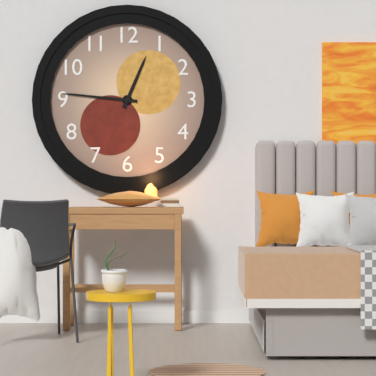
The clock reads 12.46
